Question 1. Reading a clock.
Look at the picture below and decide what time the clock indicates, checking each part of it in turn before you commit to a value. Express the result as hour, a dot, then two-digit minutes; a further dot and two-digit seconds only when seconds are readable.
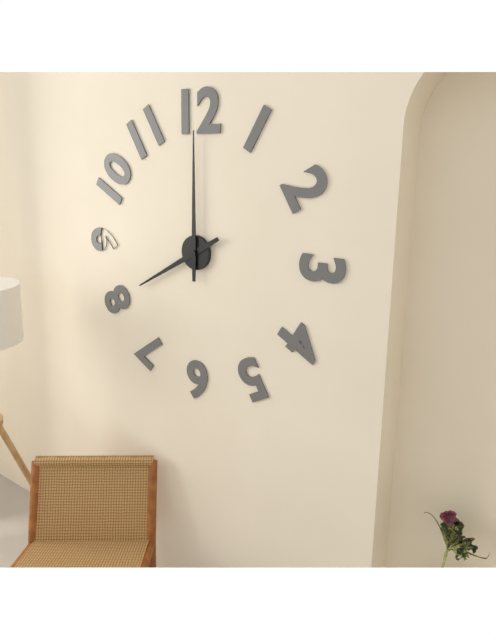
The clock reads 8.00
